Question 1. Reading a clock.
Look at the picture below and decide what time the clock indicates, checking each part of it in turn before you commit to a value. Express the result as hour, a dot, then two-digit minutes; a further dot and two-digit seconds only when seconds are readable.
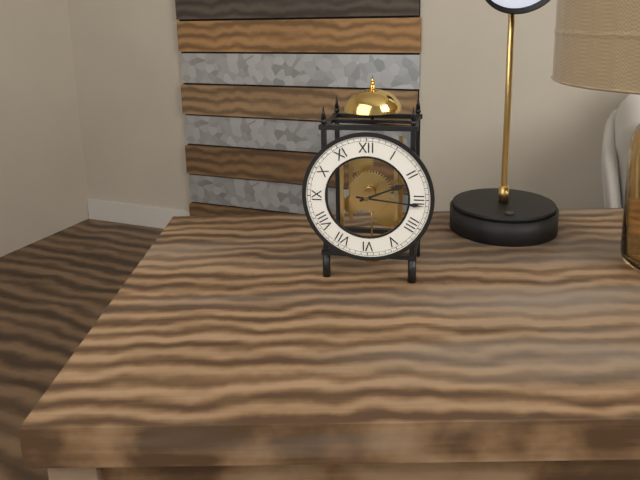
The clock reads 2.16
